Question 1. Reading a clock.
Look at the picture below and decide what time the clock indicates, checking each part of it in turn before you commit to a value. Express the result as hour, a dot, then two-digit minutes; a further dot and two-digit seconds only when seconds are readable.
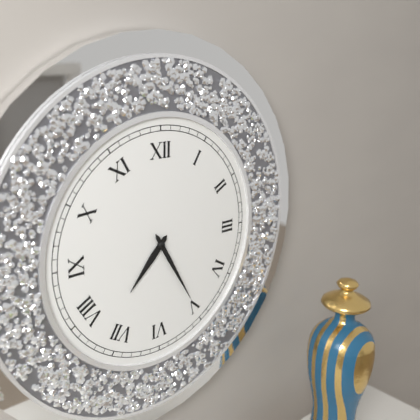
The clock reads 7.25
